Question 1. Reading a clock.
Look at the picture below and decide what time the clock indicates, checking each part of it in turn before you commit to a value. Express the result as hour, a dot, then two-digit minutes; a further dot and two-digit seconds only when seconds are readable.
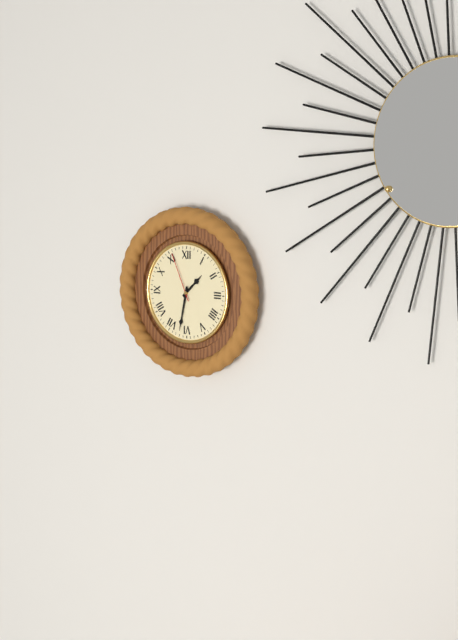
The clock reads 1.32.56
